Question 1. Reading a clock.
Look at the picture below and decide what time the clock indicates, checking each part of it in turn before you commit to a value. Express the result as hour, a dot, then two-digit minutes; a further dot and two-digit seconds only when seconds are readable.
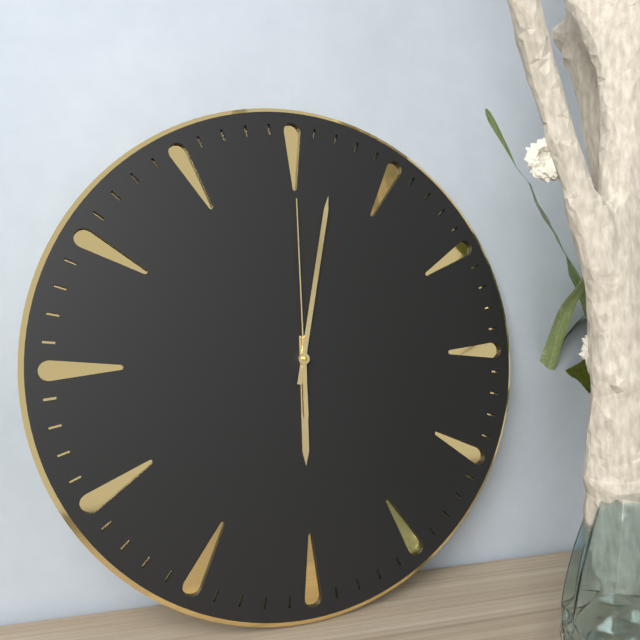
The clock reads 6.02.00
